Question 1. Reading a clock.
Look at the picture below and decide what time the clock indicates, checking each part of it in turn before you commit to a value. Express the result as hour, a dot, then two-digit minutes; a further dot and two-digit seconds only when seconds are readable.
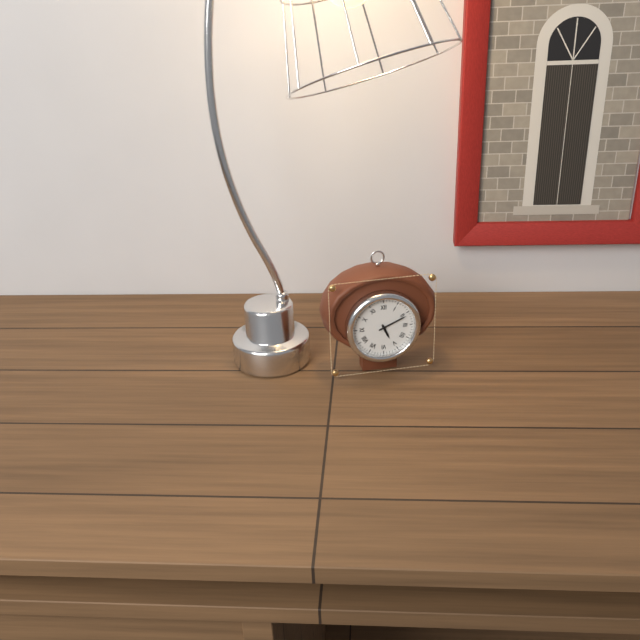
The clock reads 5.11
